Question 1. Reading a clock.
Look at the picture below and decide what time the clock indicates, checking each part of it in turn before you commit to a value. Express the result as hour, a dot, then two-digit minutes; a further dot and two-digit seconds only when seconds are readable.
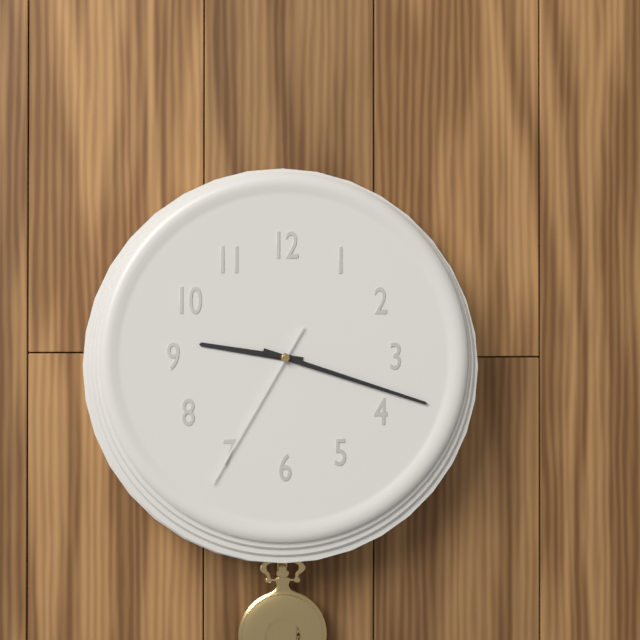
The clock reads 9.18.35
